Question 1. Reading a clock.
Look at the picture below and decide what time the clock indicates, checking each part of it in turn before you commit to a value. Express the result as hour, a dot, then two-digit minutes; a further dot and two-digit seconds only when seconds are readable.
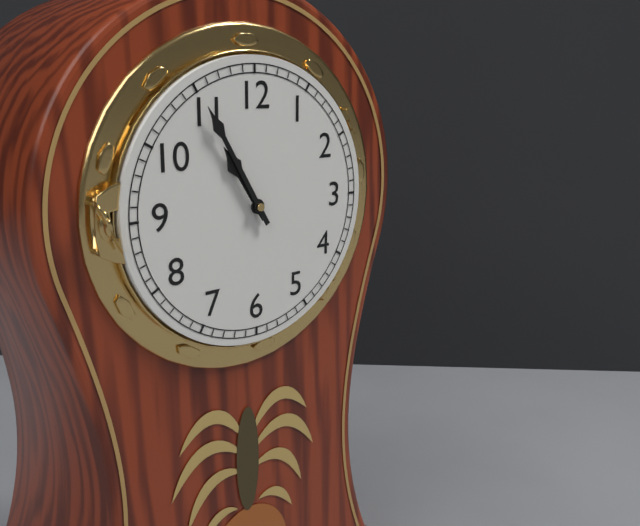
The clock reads 10.55
